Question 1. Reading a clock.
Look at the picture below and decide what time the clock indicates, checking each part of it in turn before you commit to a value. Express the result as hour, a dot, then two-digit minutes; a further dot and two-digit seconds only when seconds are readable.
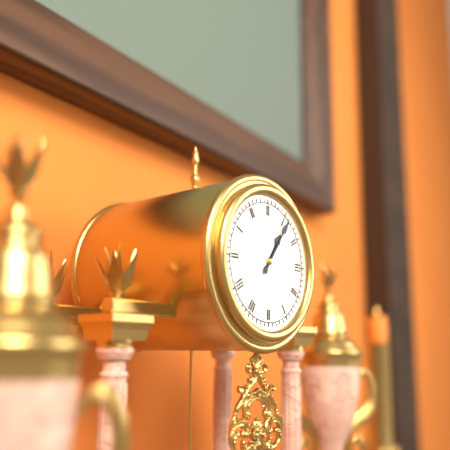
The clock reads 1.06
